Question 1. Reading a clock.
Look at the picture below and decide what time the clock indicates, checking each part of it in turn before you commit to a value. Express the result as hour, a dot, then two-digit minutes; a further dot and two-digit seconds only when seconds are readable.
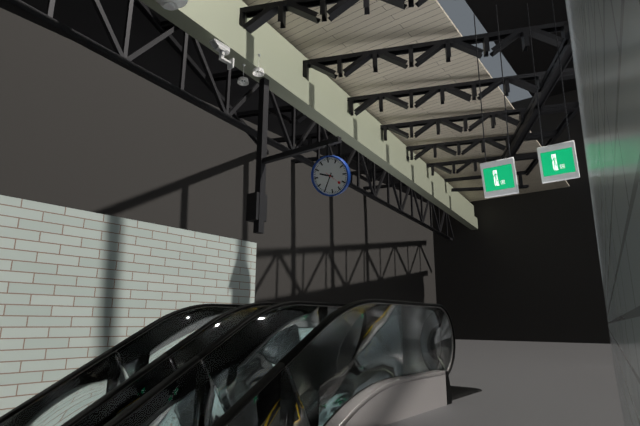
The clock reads 9.35
